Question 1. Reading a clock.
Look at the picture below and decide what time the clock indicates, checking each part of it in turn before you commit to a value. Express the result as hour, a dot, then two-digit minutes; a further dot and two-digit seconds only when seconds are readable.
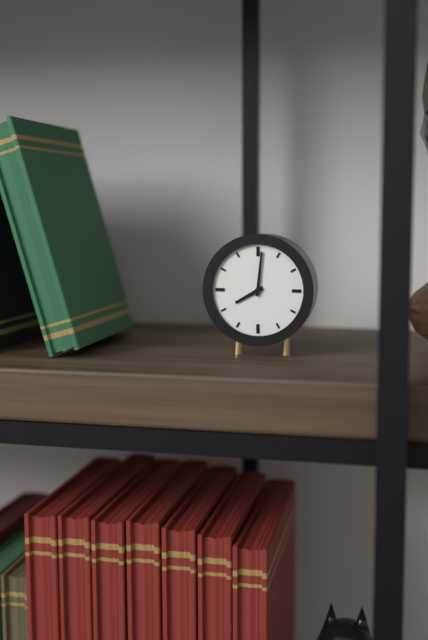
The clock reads 8.01
